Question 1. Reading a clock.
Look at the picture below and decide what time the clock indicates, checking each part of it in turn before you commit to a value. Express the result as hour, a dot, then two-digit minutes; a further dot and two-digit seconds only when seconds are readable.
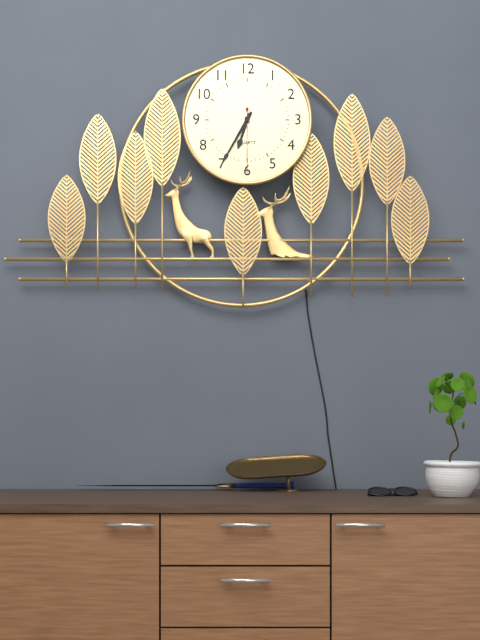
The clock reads 6.35.30
